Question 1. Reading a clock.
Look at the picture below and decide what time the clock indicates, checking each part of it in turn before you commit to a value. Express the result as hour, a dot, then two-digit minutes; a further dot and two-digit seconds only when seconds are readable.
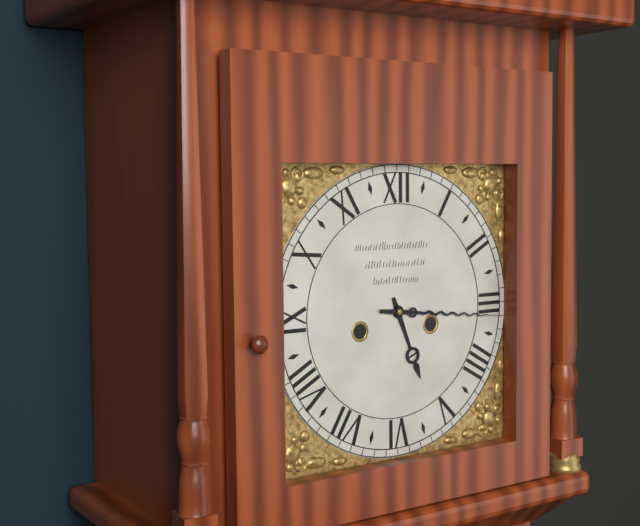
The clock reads 5.16
